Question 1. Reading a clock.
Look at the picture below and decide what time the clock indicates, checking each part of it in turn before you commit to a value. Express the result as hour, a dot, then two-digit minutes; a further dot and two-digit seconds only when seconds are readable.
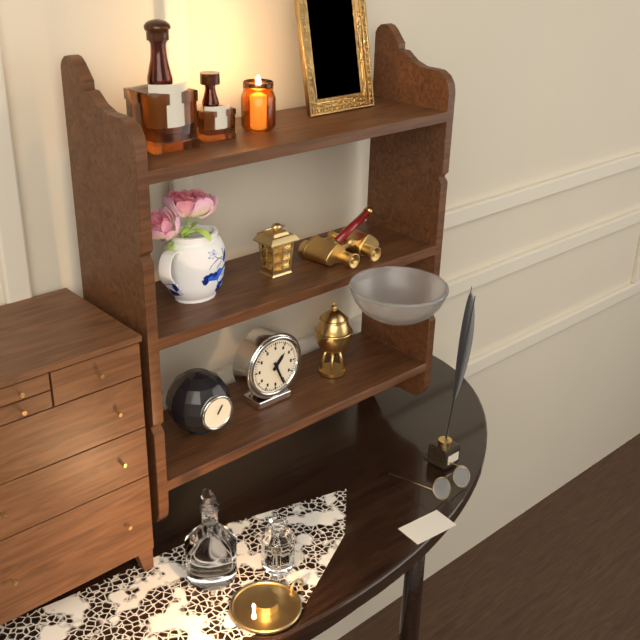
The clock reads 1.26
